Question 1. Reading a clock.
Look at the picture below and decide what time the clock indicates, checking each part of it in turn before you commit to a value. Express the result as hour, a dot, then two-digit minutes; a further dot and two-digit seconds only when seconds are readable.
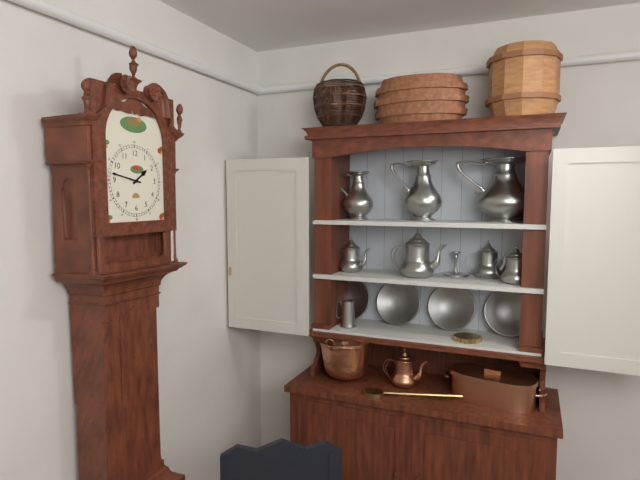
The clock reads 1.47
